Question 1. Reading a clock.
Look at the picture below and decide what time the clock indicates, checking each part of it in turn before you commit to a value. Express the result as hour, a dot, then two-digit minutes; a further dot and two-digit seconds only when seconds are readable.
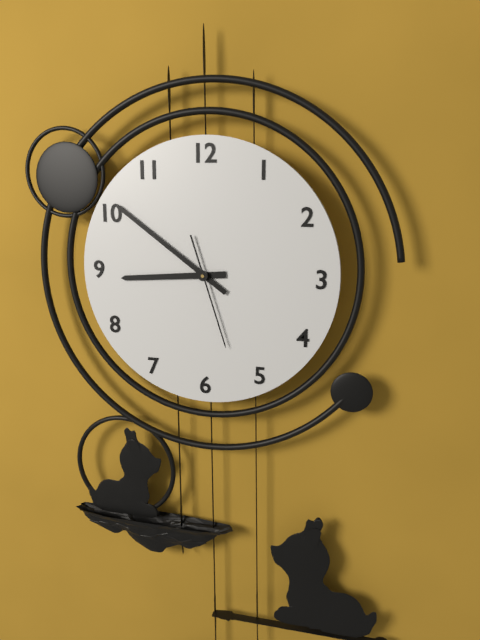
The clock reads 8.51.27
